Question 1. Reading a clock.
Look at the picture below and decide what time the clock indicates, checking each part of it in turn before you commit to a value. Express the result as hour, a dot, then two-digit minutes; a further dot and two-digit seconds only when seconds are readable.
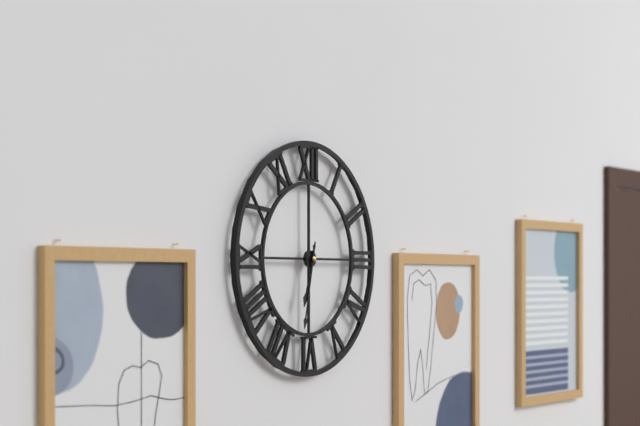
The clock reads 6.32
